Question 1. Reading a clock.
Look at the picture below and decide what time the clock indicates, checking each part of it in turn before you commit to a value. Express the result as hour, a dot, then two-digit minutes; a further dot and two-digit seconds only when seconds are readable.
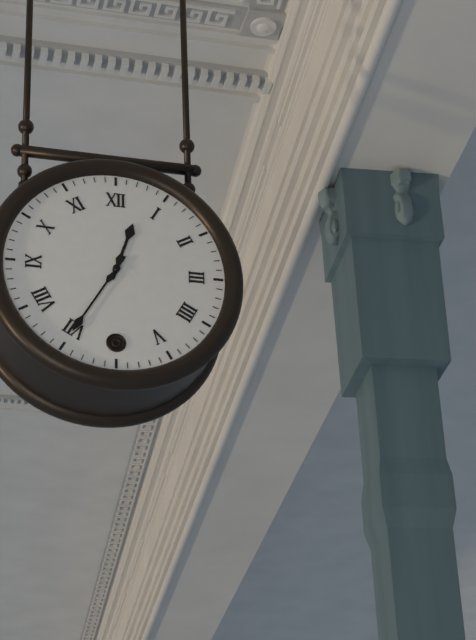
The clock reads 12.35
